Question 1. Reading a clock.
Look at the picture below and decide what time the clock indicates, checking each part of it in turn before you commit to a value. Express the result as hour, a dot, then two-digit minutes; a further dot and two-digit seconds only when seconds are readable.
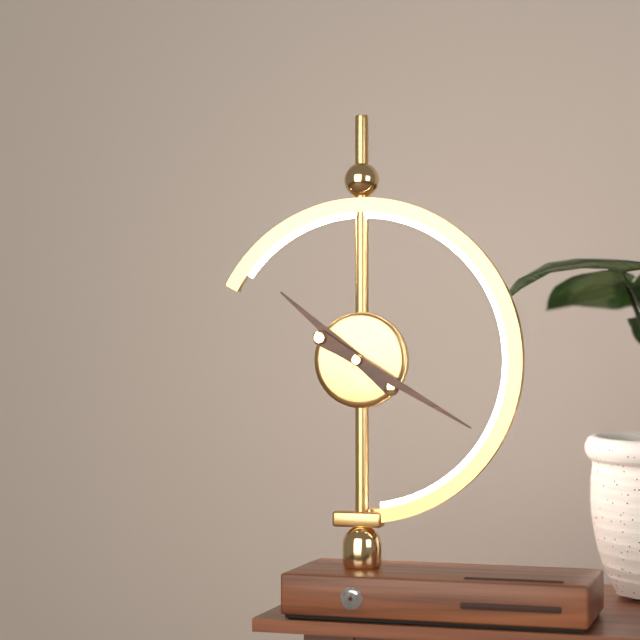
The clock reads 10.20
